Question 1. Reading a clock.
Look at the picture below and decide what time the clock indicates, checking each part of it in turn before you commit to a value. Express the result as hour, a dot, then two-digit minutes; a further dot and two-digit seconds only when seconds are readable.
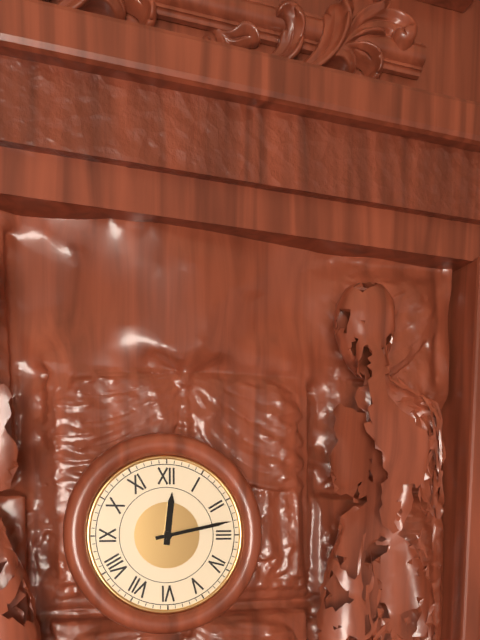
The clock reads 12.13
